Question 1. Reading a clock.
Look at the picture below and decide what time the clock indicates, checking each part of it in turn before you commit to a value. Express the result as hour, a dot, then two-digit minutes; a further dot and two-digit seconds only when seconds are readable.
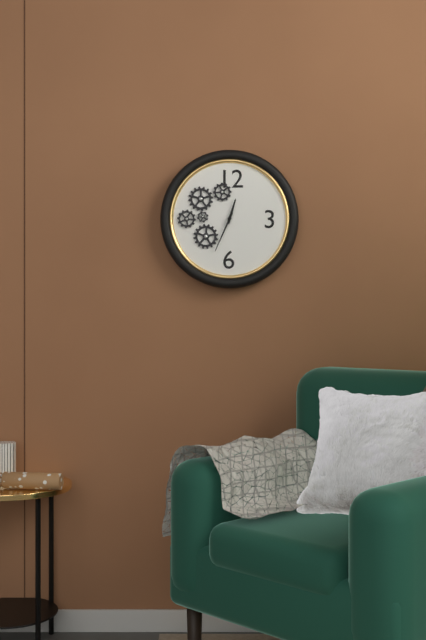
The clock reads 12.34
